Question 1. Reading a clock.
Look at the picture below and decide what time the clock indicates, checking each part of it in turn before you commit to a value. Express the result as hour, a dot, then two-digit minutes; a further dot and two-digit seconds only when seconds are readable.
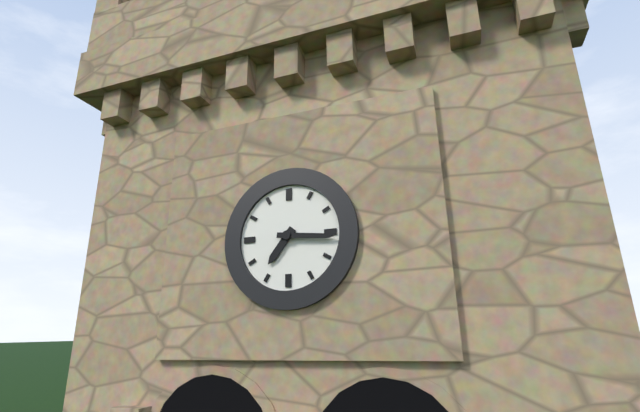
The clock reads 7.16
